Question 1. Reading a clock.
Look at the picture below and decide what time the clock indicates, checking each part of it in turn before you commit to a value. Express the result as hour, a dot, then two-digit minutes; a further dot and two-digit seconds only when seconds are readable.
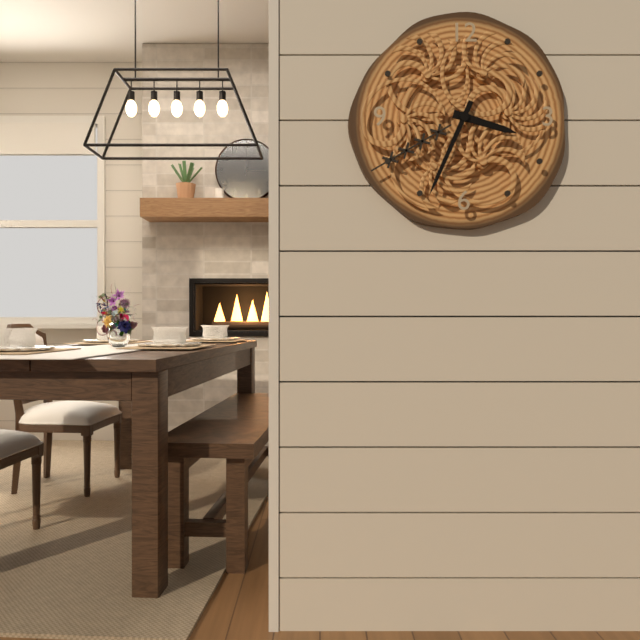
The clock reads 3.34
